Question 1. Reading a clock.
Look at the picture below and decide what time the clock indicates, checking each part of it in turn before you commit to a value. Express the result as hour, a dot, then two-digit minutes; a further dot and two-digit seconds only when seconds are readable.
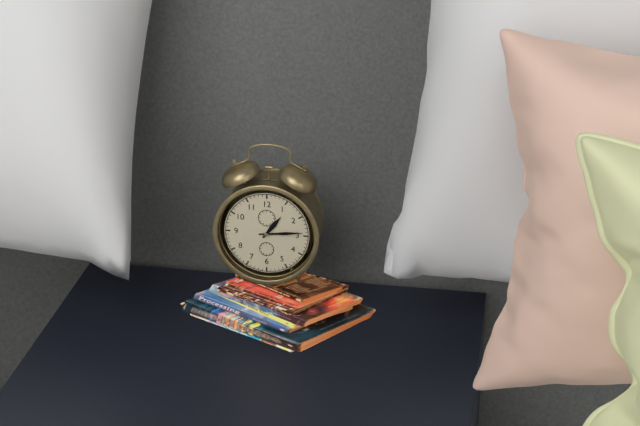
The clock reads 1.14
